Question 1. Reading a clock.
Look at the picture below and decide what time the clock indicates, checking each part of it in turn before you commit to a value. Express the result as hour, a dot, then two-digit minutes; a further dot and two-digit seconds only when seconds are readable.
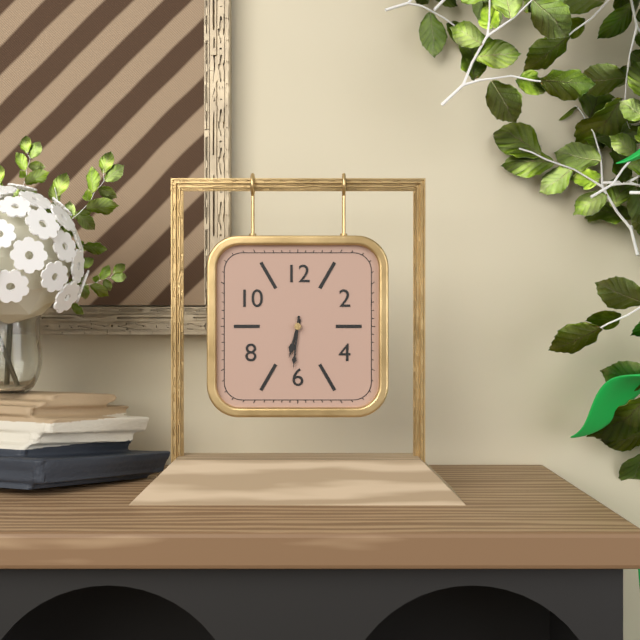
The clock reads 6.31
